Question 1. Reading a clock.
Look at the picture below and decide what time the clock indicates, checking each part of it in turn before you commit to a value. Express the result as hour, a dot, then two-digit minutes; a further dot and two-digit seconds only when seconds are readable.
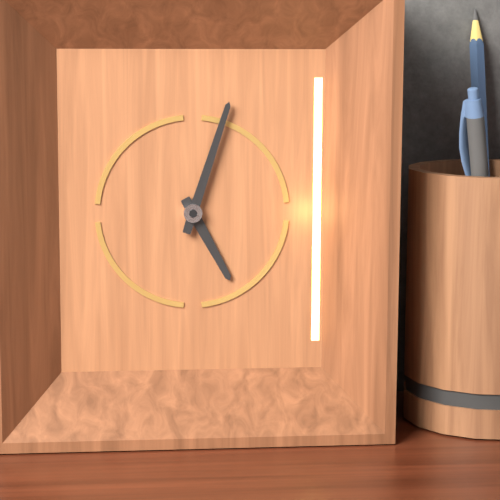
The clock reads 5.03
